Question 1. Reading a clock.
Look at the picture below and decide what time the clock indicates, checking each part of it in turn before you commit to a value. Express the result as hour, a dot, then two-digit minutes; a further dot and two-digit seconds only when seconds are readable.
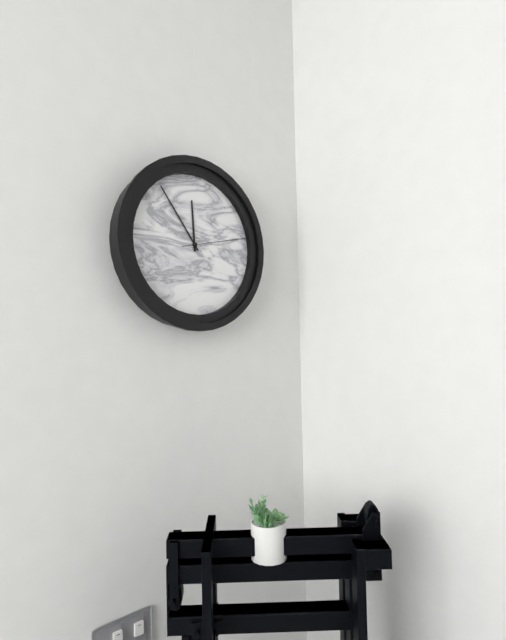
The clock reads 11.54.13
